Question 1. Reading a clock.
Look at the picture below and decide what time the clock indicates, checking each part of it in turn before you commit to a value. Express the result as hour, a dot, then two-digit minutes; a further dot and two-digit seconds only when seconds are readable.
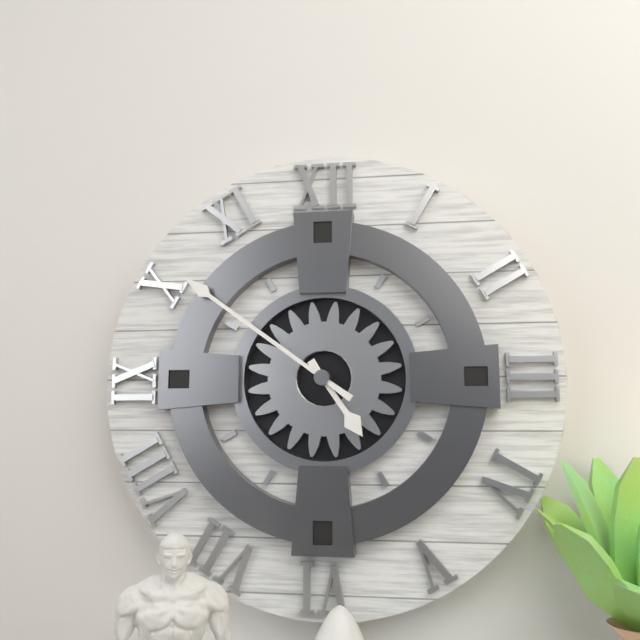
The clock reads 4.51
